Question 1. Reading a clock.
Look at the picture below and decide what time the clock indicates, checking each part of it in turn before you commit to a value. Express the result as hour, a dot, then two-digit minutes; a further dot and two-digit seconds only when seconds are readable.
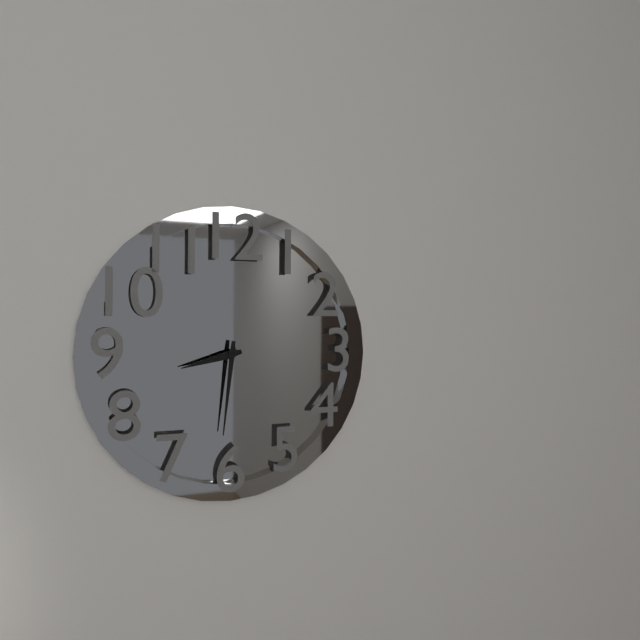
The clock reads 8.31
